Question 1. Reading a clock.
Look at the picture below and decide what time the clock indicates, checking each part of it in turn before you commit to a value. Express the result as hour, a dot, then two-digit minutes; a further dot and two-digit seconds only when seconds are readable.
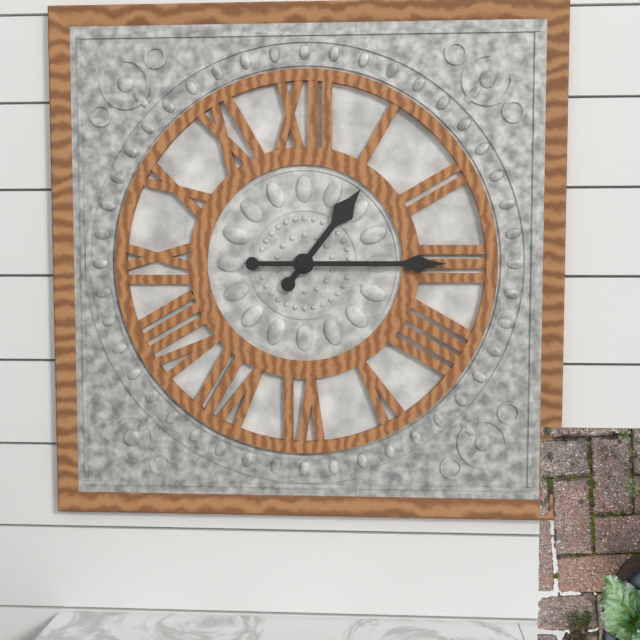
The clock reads 1.15
